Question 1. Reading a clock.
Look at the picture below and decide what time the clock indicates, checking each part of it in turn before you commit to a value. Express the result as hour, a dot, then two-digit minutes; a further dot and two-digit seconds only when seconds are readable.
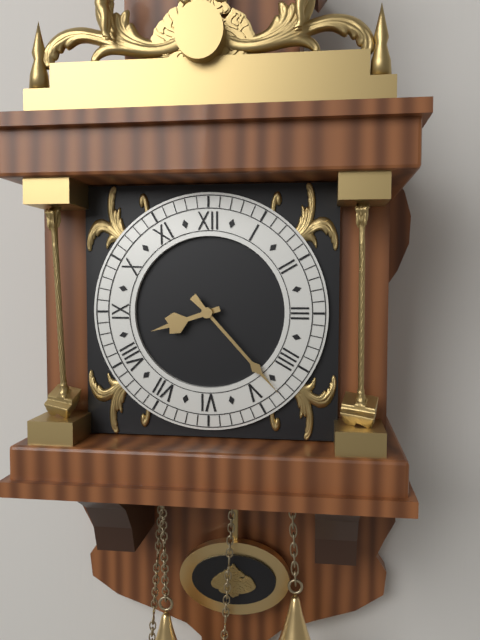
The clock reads 8.23
